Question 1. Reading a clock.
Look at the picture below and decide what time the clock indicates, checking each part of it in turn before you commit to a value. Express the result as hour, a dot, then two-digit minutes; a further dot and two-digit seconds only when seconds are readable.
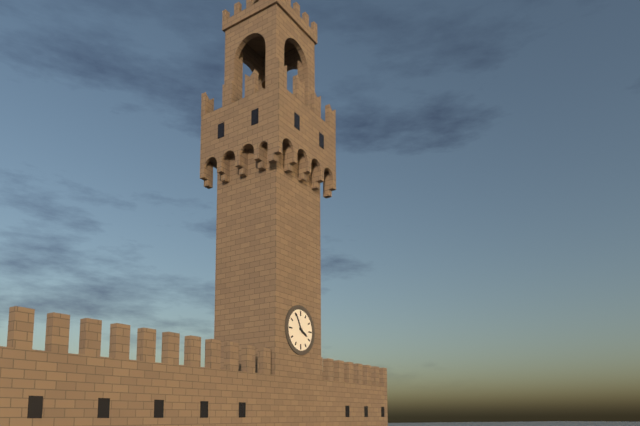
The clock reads 3.55
